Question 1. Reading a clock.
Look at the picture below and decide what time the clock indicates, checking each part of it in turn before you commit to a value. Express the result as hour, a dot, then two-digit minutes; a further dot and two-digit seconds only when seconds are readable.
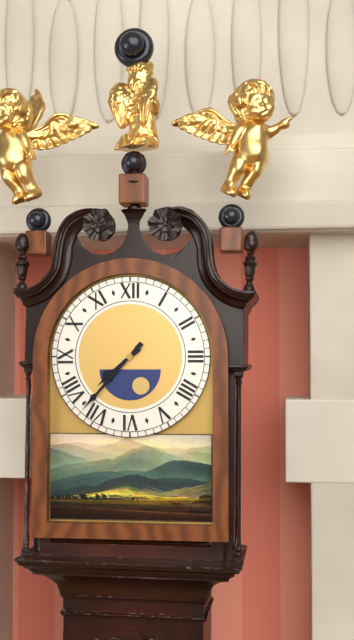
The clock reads 7.37
